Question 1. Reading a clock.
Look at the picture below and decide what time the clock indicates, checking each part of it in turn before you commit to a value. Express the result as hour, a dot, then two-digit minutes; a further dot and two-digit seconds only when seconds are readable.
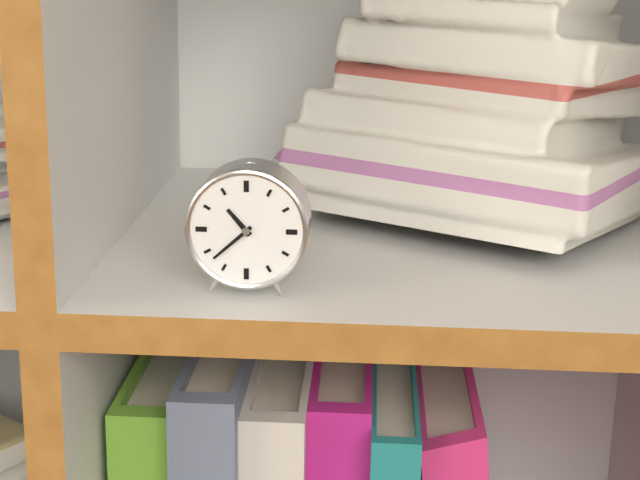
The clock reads 10.38
